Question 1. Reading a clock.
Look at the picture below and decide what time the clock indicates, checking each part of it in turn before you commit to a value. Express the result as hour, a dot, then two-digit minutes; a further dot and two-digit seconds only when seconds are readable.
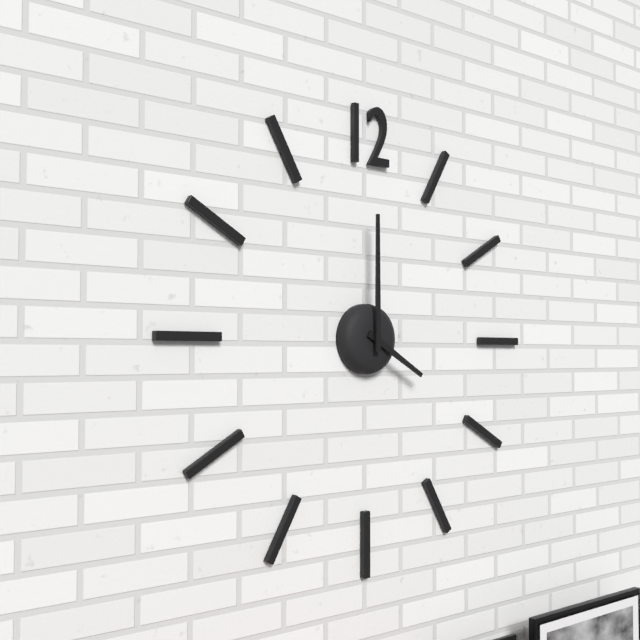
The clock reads 4.00
